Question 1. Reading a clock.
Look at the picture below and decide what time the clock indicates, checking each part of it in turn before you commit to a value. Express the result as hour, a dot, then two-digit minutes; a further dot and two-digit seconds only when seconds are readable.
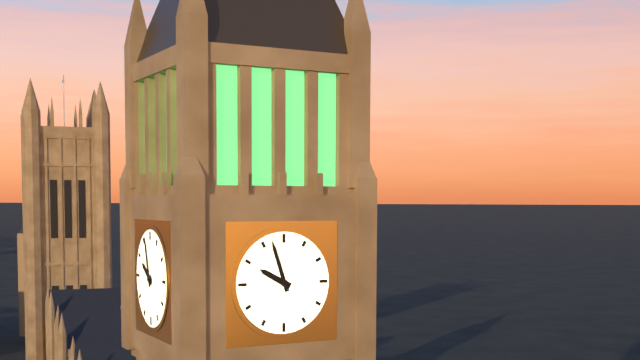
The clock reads 9.57
